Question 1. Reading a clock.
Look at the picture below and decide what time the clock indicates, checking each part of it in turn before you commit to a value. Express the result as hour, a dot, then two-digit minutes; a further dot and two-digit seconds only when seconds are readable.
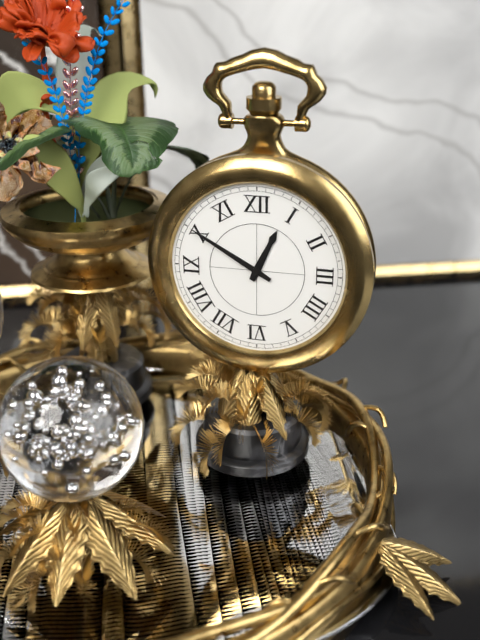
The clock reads 12.50
